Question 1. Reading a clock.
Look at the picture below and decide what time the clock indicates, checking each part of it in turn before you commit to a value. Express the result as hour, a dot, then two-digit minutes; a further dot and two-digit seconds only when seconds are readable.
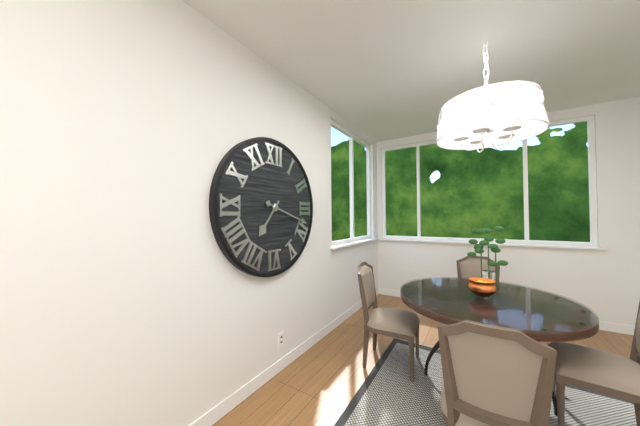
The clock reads 7.18
